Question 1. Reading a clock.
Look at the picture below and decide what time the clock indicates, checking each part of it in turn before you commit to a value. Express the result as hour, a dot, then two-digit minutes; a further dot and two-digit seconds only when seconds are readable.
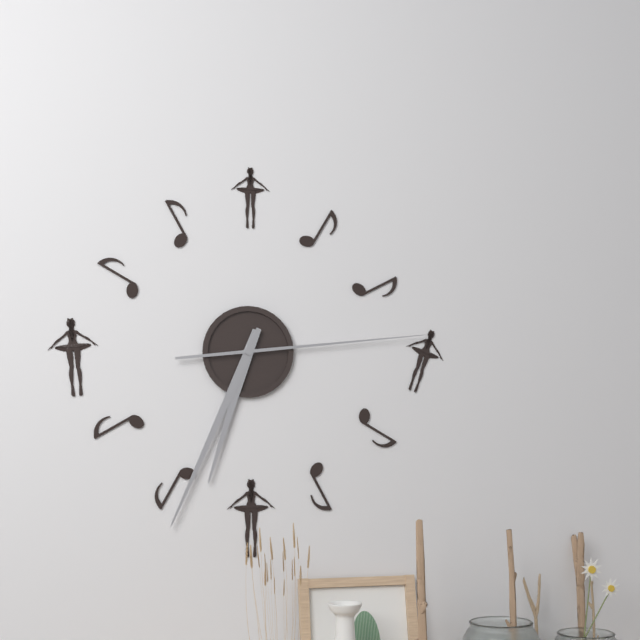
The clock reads 6.34.14
